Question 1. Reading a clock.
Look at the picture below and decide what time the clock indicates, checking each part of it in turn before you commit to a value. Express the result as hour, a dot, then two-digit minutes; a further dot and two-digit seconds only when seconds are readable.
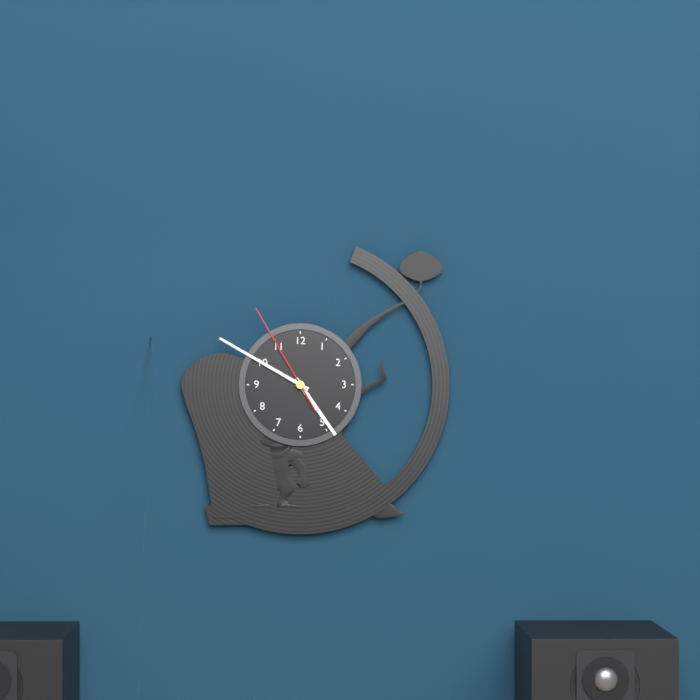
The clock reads 4.50.55
